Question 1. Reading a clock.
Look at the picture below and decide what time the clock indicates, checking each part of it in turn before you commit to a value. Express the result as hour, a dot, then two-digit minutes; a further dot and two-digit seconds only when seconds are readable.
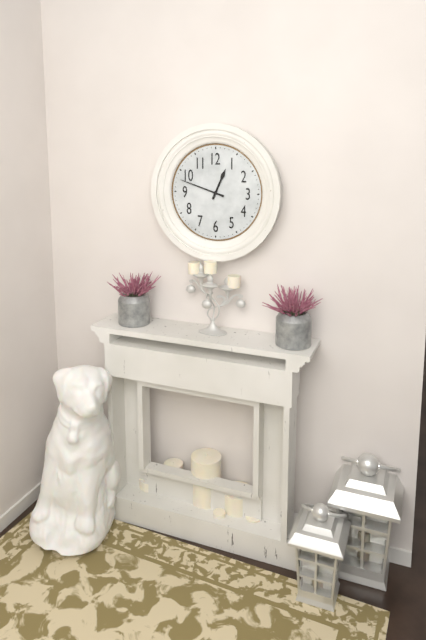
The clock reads 12.48
